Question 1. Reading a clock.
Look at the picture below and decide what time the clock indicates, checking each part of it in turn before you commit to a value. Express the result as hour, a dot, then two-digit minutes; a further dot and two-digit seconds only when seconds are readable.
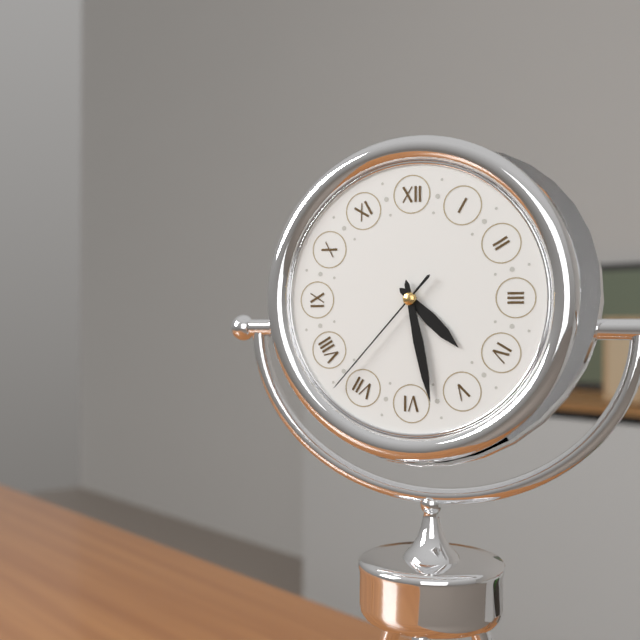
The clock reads 4.28.37
